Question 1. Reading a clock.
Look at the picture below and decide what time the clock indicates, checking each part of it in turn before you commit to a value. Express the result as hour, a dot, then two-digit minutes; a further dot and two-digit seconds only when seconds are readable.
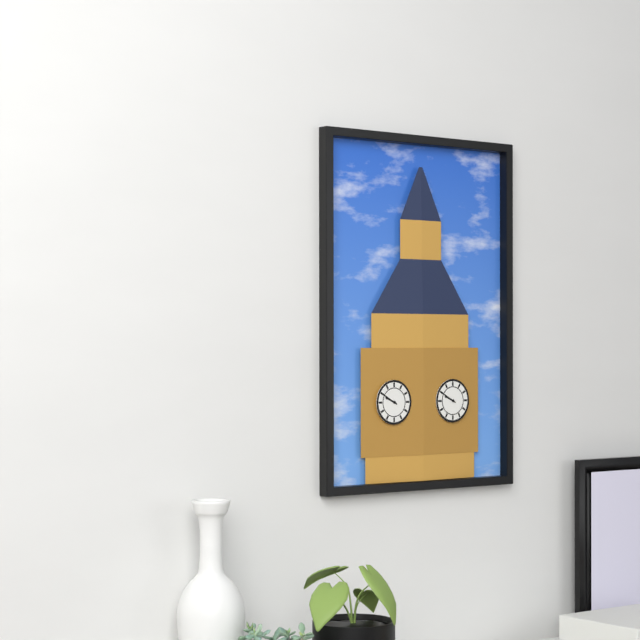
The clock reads 9.50
